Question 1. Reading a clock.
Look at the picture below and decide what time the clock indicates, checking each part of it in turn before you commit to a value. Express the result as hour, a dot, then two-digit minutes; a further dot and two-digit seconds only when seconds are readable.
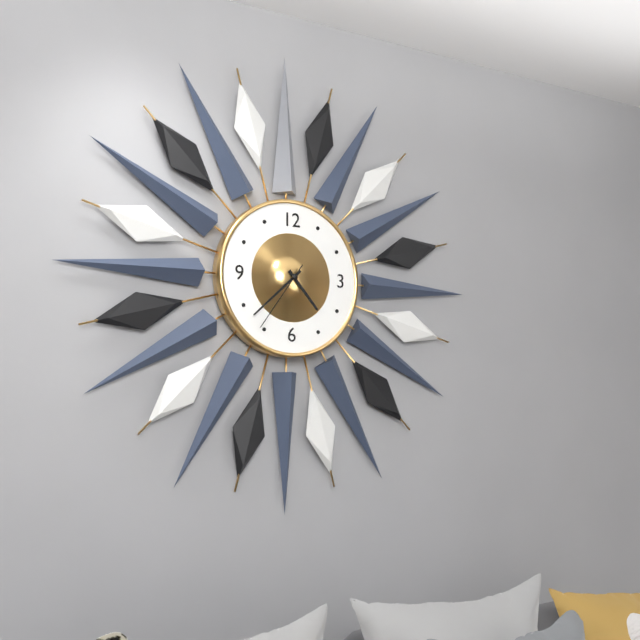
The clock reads 4.38.36
